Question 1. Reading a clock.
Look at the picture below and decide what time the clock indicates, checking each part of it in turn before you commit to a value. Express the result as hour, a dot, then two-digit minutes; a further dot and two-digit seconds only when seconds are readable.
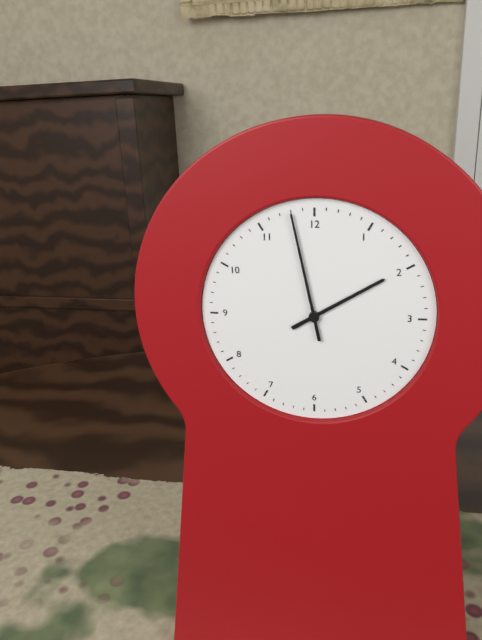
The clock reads 1.58
